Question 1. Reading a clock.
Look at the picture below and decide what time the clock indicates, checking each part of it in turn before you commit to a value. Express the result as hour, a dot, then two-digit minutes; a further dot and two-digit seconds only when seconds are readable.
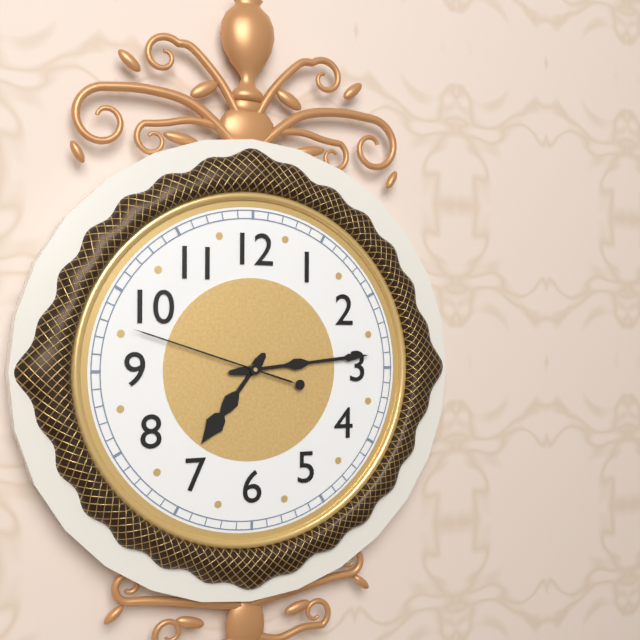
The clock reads 7.14.48
